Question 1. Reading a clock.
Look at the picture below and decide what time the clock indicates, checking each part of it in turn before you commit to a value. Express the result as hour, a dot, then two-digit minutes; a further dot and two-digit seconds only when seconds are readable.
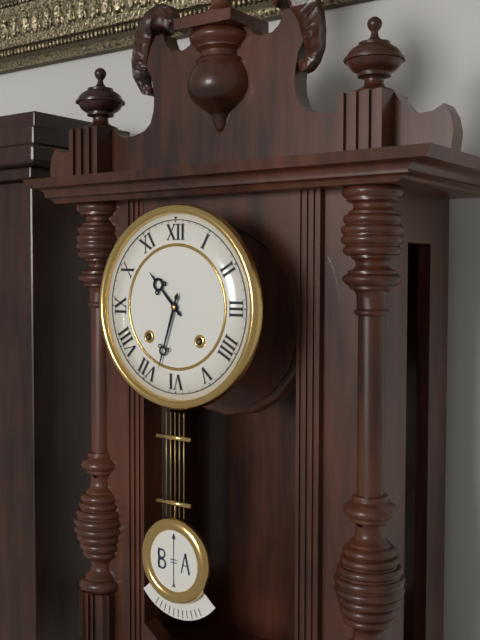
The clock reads 10.33
